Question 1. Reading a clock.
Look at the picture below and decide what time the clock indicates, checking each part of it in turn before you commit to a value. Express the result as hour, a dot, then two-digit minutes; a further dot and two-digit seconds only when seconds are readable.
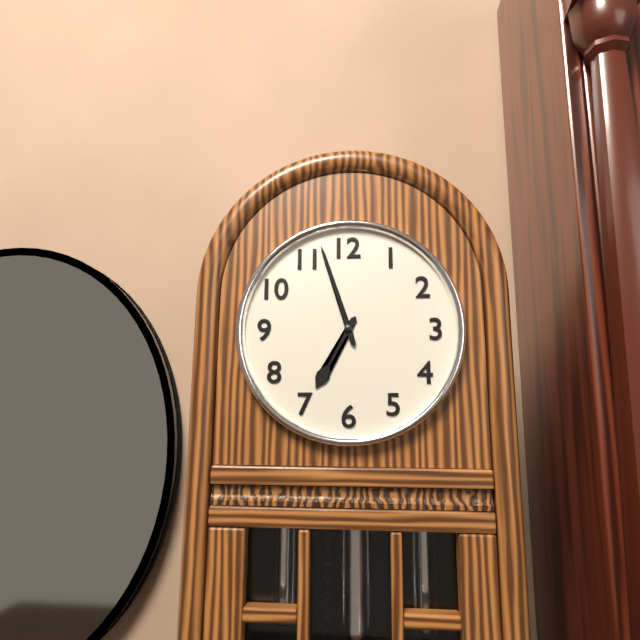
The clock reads 6.57
